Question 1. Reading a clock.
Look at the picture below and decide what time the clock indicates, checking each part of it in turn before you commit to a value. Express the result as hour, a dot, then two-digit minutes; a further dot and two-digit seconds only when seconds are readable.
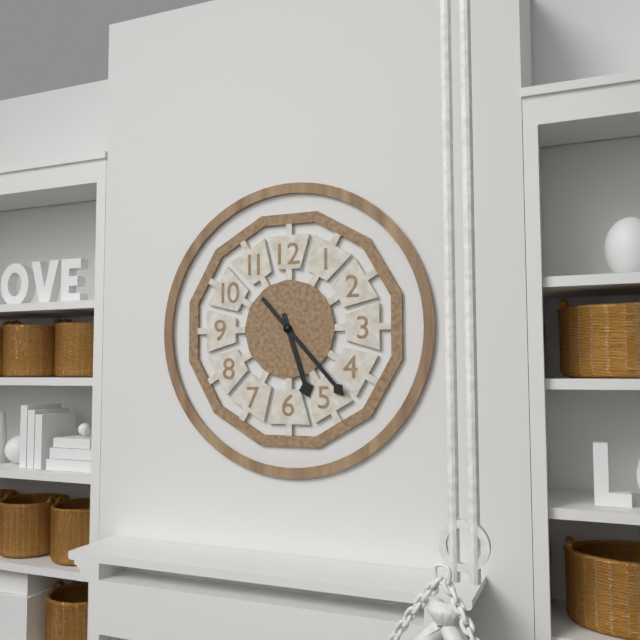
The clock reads 5.23
